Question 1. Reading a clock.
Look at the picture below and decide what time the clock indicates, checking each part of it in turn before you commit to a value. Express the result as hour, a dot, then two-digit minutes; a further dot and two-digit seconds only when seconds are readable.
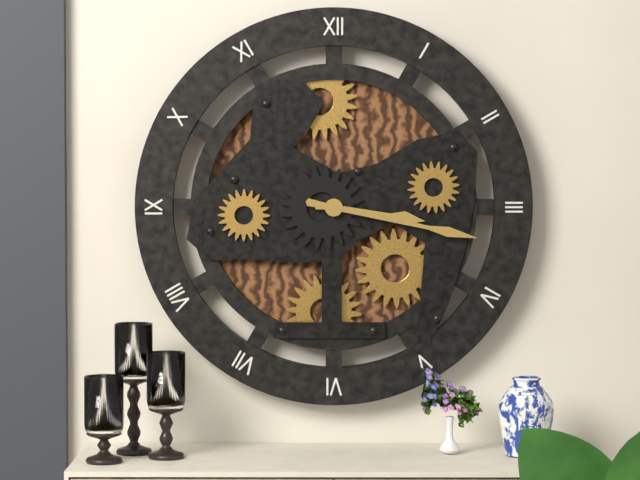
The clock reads 3.17
